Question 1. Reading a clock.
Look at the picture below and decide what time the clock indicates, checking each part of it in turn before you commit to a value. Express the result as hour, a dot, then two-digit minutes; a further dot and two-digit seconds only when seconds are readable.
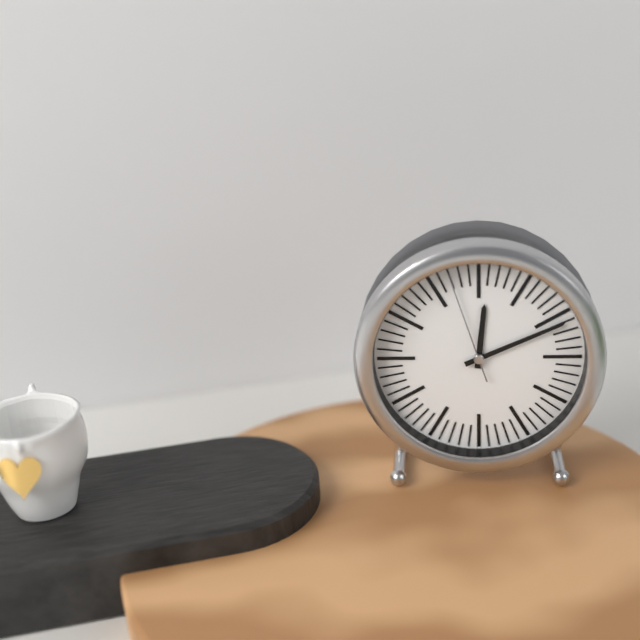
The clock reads 12.11.57
